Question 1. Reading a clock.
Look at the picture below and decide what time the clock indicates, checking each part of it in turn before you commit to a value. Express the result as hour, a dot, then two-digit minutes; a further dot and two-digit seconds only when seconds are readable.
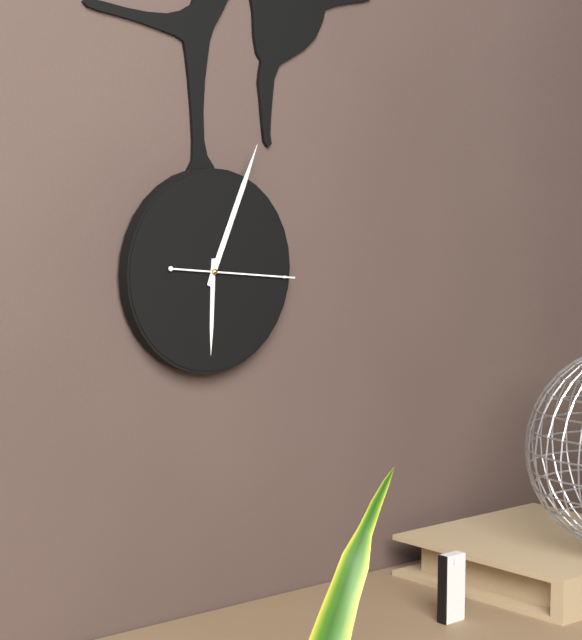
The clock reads 6.04.16
